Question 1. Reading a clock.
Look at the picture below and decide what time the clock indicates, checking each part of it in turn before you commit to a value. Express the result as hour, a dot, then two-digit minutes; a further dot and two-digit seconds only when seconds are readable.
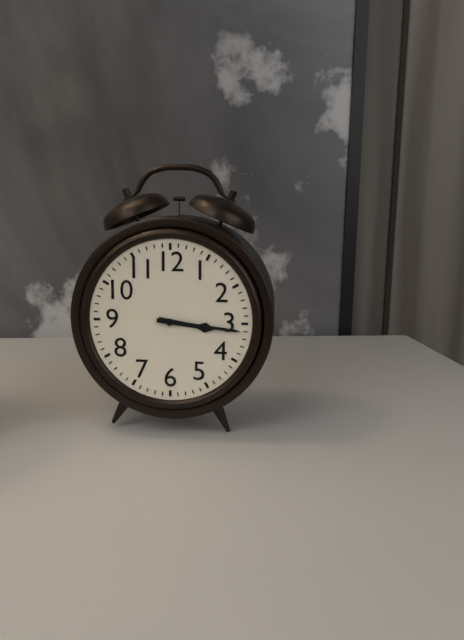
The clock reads 3.16
